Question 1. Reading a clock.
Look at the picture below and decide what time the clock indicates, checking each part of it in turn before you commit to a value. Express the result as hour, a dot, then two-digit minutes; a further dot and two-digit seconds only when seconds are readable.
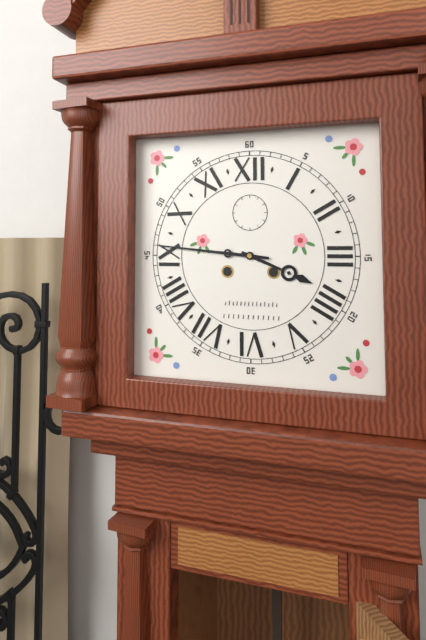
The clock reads 3.46
